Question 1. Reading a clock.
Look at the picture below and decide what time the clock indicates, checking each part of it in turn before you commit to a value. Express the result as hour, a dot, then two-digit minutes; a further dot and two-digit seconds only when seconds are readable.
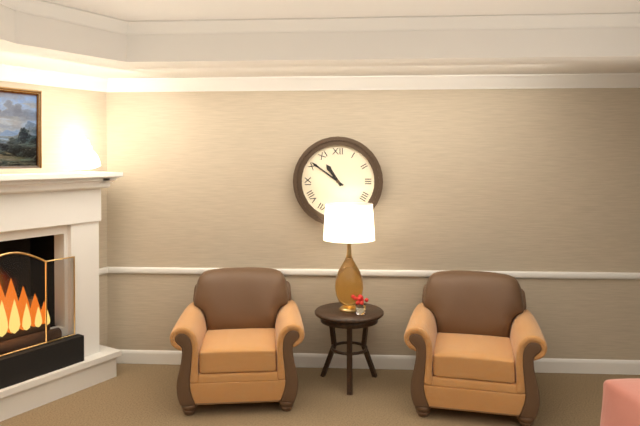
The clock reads 10.51
